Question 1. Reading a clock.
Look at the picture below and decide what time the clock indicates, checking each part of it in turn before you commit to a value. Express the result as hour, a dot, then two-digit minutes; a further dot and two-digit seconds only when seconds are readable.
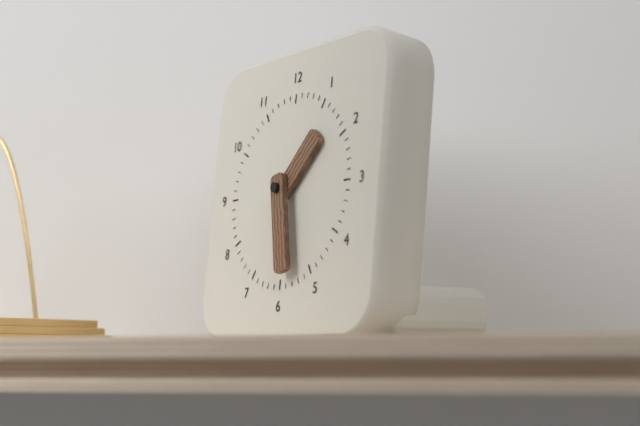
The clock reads 1.28
